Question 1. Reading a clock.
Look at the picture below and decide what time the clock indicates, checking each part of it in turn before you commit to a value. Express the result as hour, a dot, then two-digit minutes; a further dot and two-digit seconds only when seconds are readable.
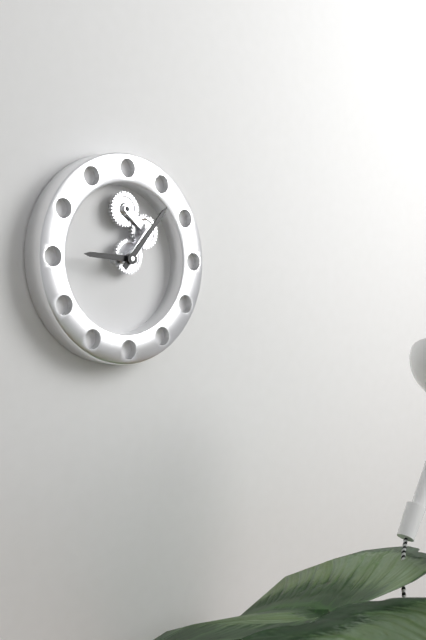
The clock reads 9.07
